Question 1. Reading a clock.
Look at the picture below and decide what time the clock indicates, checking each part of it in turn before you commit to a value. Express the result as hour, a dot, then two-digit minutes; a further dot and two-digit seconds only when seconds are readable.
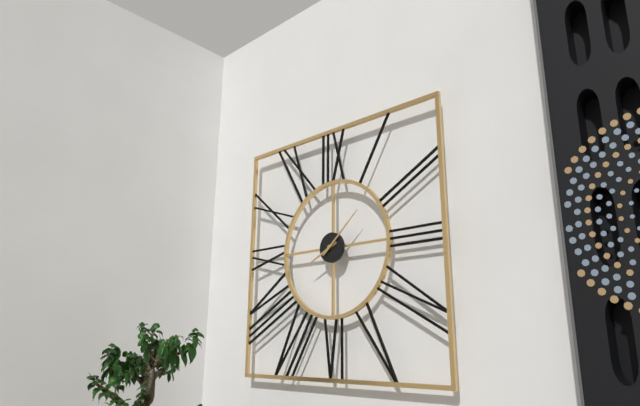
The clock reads 8.08
